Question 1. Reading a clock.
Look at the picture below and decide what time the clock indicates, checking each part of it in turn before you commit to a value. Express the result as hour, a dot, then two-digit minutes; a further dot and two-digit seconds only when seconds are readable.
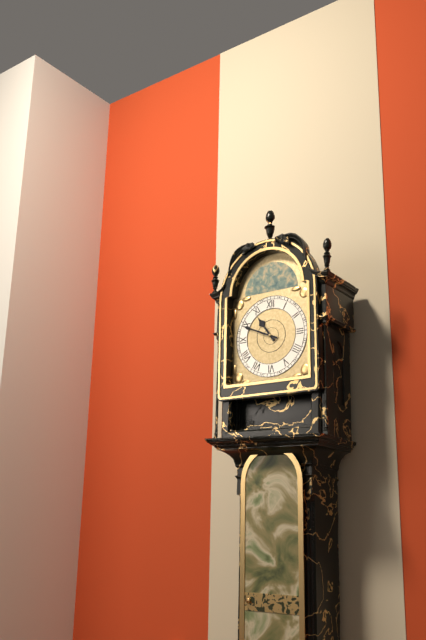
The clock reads 10.49
